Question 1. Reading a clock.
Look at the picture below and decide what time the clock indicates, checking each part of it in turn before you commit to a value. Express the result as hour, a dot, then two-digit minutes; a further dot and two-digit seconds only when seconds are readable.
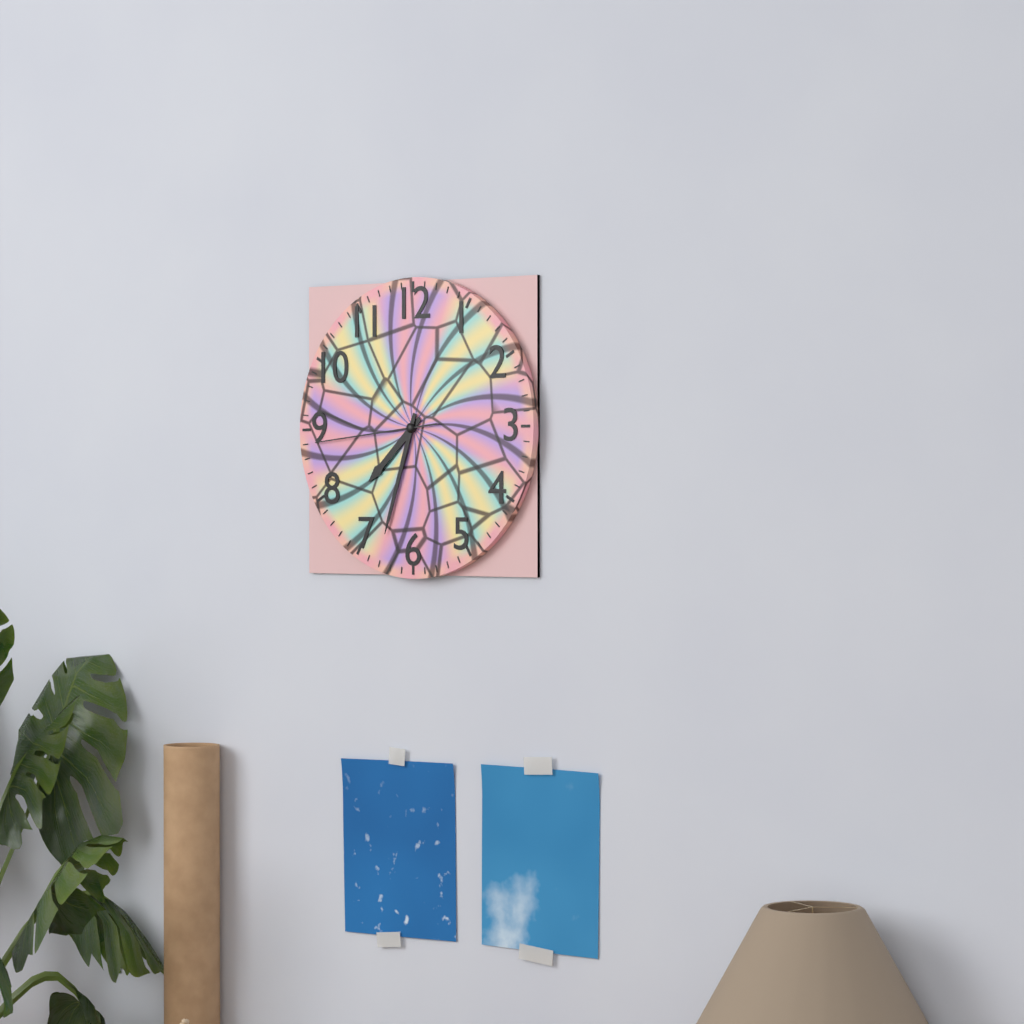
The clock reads 7.33.44
